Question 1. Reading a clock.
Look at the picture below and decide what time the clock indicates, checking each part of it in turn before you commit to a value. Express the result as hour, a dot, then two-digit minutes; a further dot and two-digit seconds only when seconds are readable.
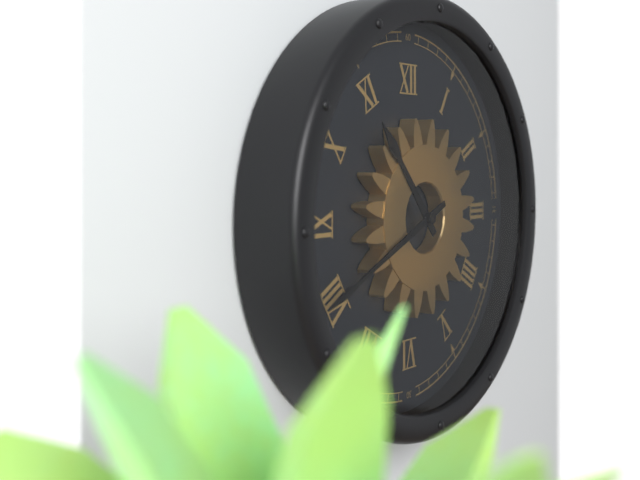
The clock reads 10.41
